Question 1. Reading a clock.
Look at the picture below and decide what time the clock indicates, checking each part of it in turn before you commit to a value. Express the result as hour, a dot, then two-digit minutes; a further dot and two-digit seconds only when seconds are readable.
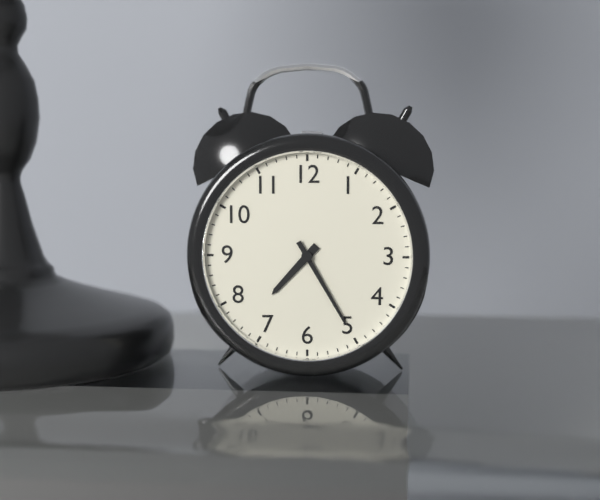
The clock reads 7.25
